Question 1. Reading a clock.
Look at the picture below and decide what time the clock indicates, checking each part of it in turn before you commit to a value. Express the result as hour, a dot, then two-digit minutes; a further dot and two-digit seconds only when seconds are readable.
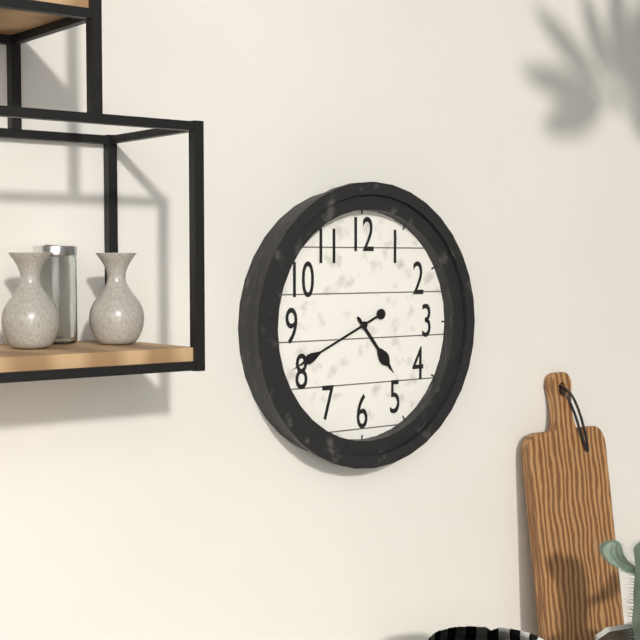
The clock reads 4.41
